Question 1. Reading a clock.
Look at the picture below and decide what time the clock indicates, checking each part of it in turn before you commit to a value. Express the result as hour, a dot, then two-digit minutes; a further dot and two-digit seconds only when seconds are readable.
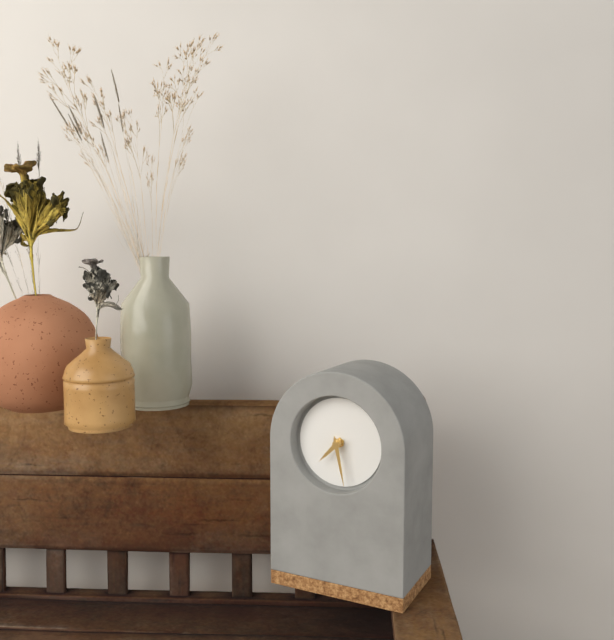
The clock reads 7.28
